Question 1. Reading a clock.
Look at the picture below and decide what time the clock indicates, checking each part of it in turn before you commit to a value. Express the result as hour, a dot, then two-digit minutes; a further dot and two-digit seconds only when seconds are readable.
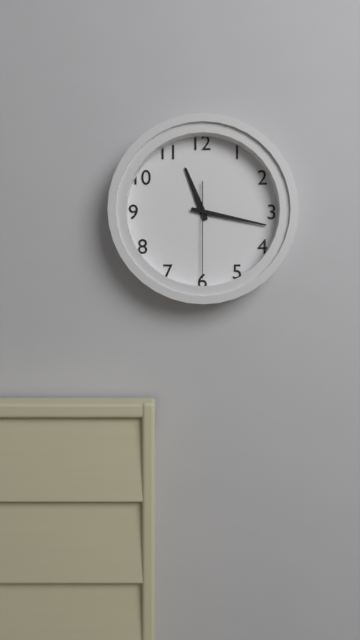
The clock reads 11.17.30
